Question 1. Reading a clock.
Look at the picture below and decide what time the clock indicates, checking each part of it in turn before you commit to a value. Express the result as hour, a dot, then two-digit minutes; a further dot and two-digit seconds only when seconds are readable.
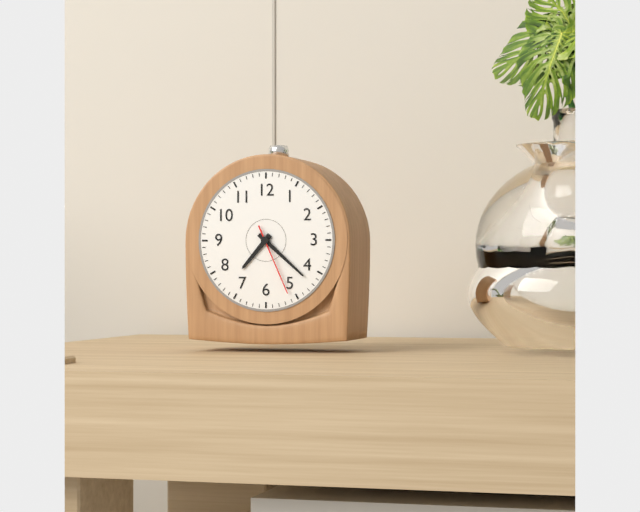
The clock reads 7.22.26
